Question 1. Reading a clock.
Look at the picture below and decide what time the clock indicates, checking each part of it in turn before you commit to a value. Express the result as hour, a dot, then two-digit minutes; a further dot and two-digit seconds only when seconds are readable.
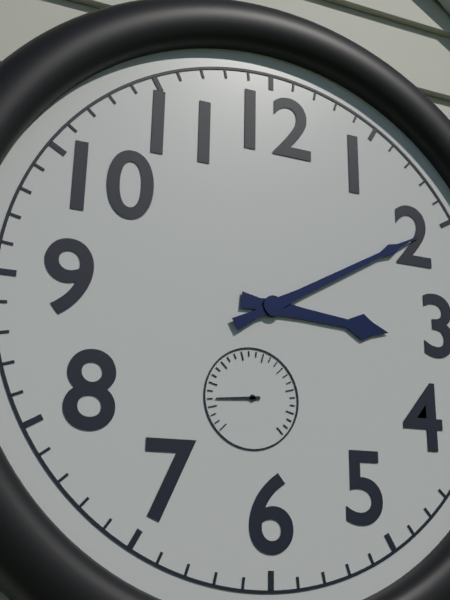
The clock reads 3.10
